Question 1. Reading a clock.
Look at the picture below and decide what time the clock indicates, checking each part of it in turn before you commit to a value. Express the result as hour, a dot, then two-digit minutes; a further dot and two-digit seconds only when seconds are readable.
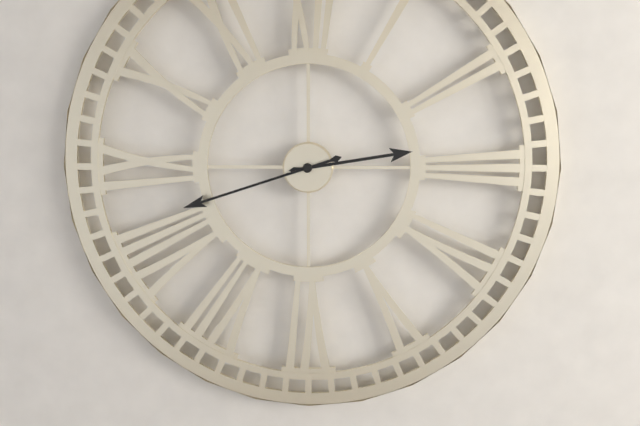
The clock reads 2.42
